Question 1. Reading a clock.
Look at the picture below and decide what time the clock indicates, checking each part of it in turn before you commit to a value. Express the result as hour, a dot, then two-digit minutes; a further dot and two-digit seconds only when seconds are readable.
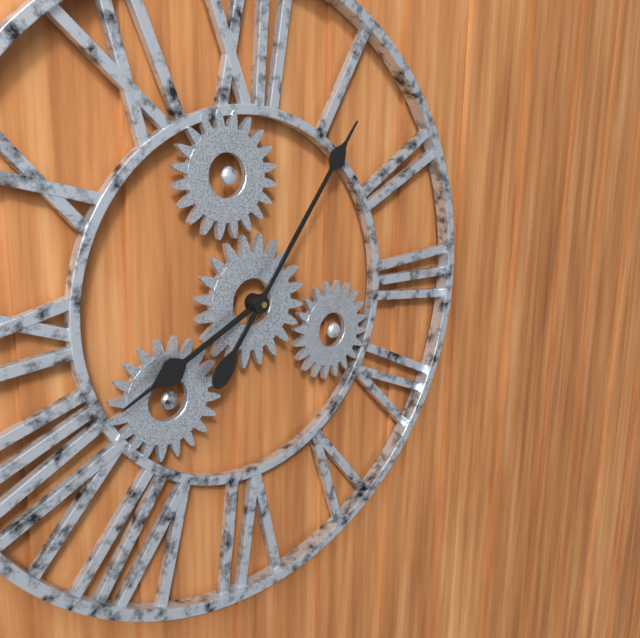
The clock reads 8.06
